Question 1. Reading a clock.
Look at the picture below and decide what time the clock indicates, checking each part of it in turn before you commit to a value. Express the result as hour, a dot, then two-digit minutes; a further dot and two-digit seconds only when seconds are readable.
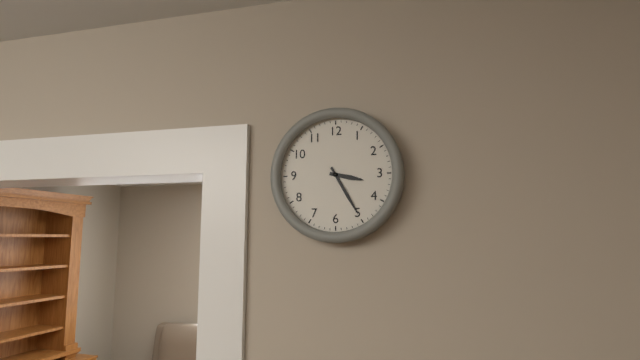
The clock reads 3.25
